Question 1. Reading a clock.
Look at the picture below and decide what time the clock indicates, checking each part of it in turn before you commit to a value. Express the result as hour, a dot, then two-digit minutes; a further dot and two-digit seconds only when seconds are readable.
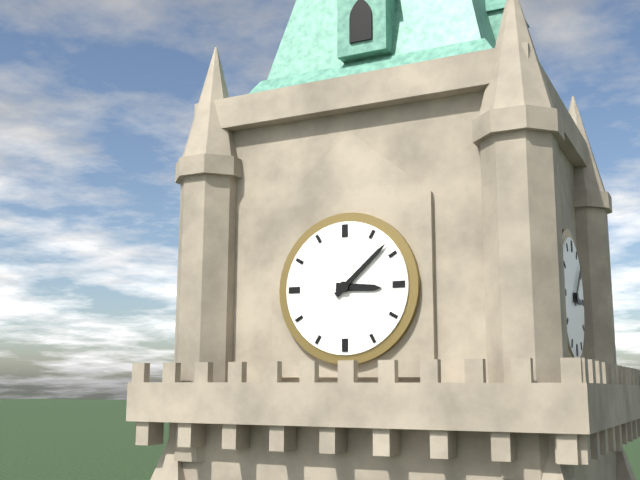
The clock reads 3.08
